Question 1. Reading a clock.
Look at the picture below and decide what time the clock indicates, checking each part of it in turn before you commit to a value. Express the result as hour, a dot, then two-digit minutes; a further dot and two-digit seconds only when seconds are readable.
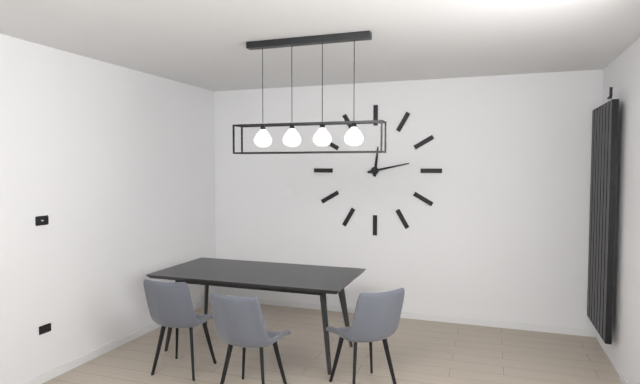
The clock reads 12.13
